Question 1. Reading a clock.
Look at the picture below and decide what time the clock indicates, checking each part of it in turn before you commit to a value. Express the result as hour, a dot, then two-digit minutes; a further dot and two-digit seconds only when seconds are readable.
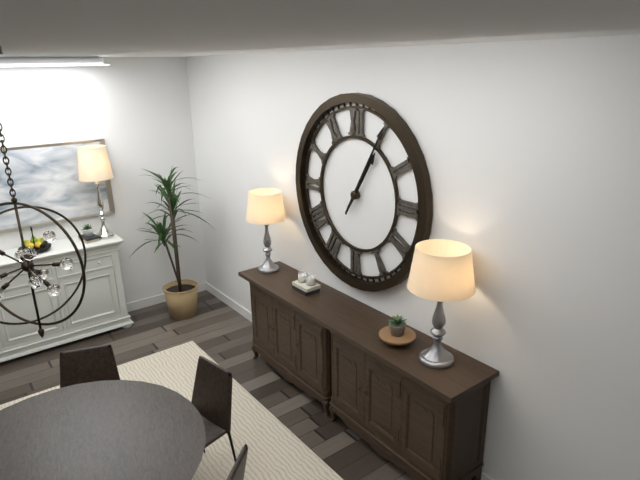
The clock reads 1.05
